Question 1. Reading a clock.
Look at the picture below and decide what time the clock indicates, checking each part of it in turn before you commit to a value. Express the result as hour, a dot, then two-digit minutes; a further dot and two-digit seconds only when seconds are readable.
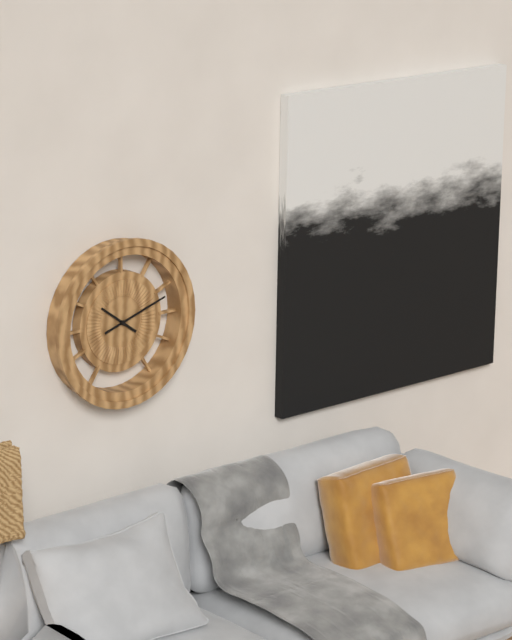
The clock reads 10.12
